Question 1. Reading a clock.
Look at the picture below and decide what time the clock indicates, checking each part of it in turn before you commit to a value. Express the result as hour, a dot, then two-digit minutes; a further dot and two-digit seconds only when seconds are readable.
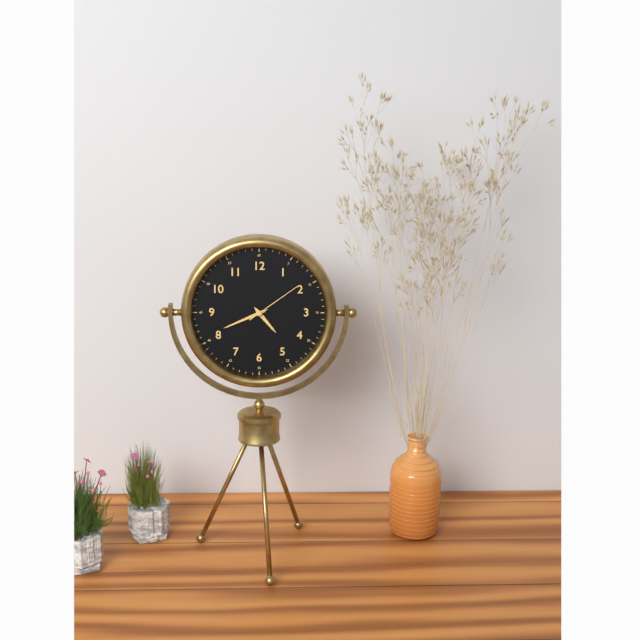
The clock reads 4.41.09
